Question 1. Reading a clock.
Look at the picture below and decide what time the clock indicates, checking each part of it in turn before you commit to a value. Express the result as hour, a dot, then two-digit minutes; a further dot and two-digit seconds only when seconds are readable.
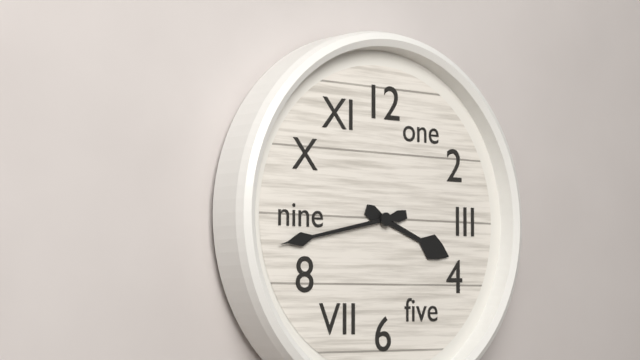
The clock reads 3.43
